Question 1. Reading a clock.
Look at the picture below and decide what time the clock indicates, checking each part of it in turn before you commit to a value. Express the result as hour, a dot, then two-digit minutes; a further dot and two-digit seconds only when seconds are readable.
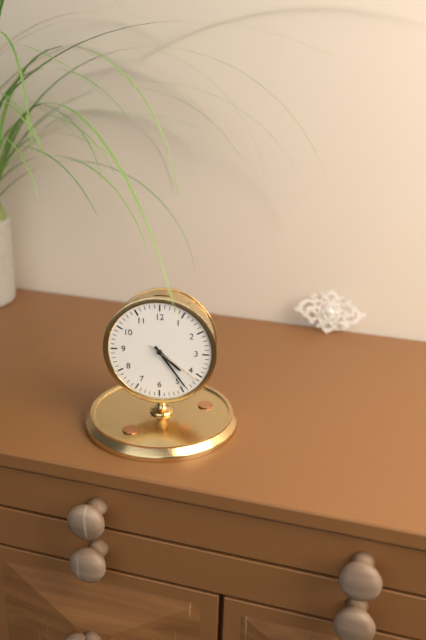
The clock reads 4.24.21
